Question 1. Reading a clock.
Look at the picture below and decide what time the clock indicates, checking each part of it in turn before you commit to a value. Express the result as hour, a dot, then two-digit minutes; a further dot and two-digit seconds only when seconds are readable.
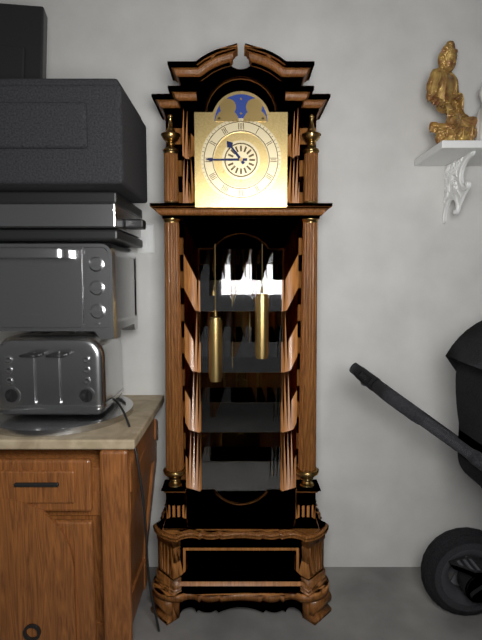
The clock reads 10.45
